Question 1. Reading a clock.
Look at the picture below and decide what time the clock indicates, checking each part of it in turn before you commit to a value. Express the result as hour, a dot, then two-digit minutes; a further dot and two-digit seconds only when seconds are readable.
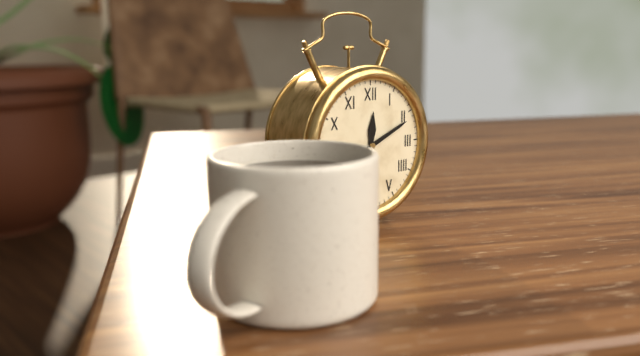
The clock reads 12.11
